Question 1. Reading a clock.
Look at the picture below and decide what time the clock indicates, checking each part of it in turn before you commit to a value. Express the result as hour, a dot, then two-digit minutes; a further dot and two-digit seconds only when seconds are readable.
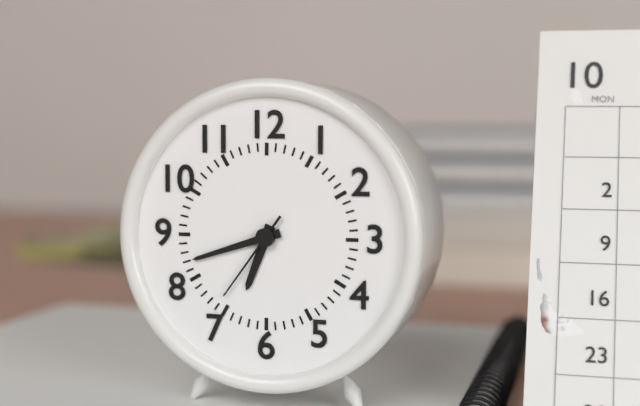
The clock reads 6.42.36
